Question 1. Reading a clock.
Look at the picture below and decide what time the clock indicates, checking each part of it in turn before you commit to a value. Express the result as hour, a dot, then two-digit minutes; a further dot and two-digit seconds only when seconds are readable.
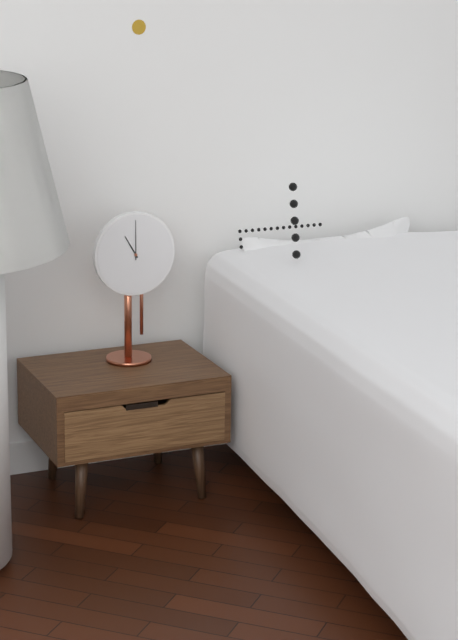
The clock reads 11.00
